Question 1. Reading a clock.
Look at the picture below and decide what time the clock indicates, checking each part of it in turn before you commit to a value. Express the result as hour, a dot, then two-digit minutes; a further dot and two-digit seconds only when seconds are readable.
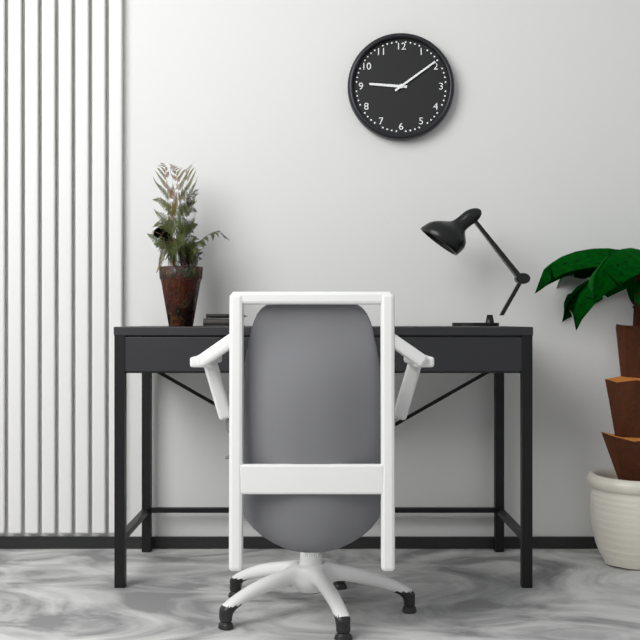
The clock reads 9.09
